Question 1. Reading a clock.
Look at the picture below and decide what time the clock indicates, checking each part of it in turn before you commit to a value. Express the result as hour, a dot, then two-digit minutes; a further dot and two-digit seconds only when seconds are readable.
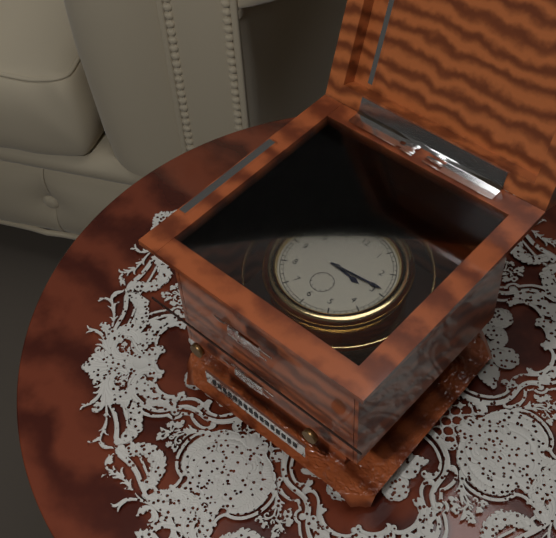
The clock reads 3.14
